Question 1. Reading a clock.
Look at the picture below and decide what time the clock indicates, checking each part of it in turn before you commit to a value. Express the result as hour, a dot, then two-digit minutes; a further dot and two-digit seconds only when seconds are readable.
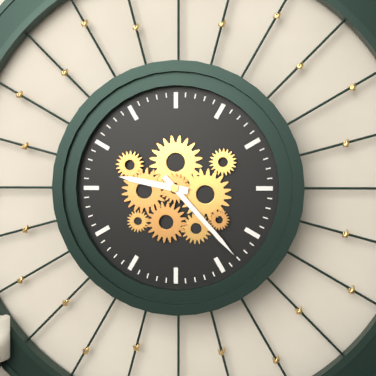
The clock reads 9.23
